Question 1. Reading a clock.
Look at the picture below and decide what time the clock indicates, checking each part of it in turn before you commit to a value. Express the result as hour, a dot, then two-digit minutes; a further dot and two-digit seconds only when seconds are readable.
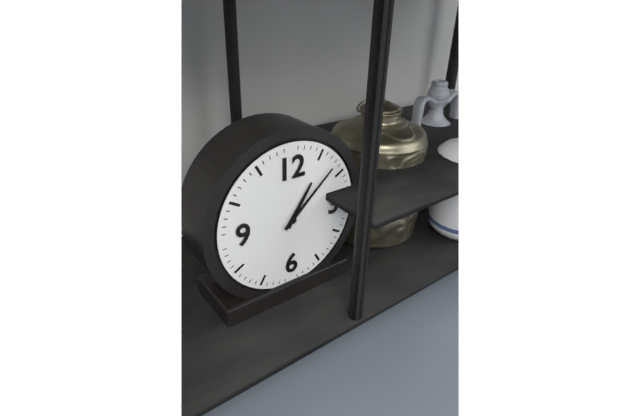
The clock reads 1.08
